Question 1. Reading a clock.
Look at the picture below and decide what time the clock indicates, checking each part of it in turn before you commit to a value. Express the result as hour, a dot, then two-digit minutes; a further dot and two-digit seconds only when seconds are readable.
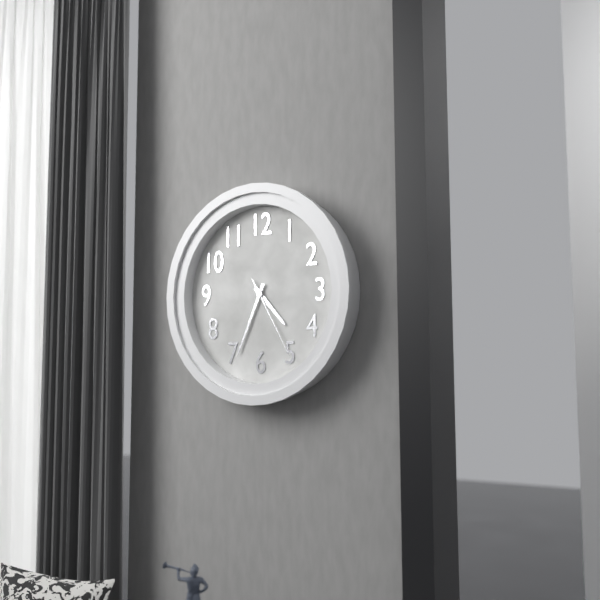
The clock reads 4.34.25
